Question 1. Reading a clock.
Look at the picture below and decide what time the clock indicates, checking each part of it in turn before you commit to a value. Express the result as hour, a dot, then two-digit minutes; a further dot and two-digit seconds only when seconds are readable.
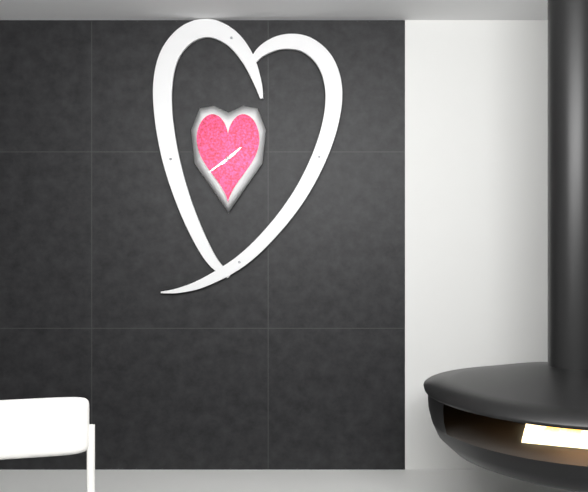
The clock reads 1.39
